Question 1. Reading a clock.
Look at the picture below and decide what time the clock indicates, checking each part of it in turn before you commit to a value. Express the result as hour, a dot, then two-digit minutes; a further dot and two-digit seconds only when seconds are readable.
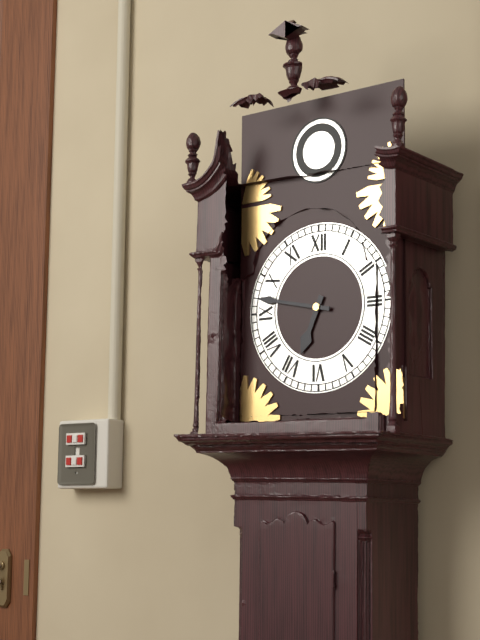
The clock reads 6.47
